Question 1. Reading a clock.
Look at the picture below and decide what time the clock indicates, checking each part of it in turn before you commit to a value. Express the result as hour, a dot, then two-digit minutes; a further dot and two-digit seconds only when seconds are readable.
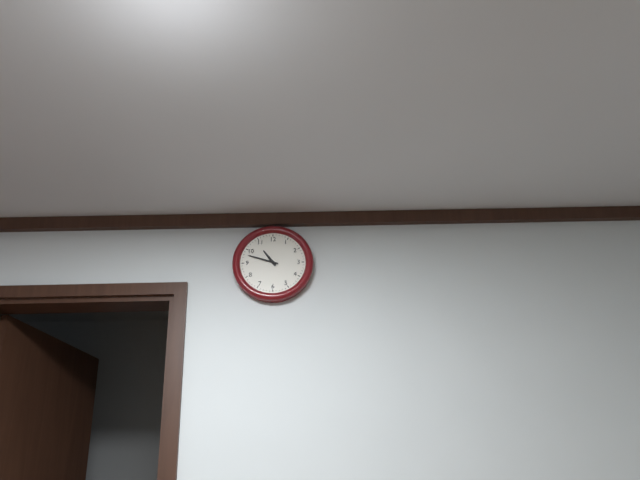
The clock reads 10.48
